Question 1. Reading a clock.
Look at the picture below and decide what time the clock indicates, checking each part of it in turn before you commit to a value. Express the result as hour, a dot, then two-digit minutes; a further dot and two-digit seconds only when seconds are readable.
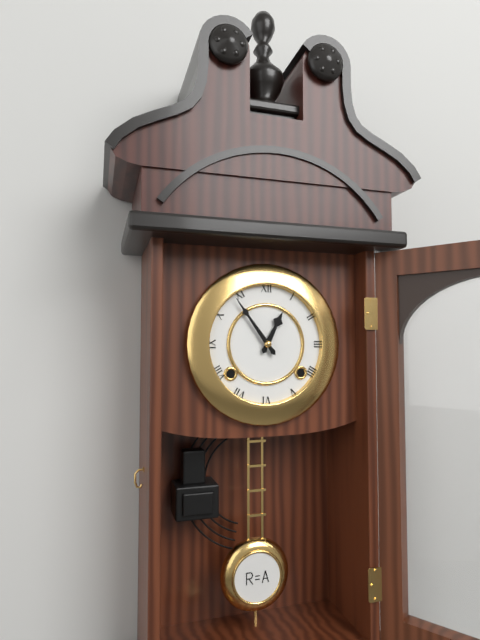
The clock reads 12.54
